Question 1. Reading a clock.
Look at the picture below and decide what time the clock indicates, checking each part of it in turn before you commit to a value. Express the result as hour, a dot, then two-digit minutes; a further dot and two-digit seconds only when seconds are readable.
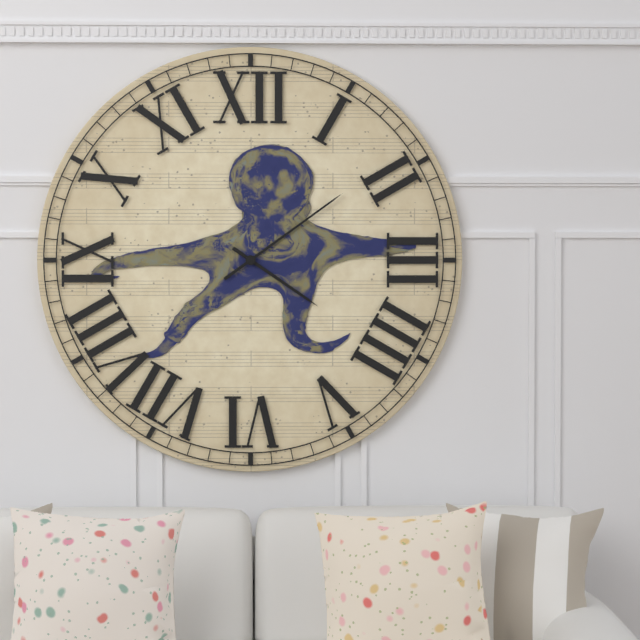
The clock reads 4.09
